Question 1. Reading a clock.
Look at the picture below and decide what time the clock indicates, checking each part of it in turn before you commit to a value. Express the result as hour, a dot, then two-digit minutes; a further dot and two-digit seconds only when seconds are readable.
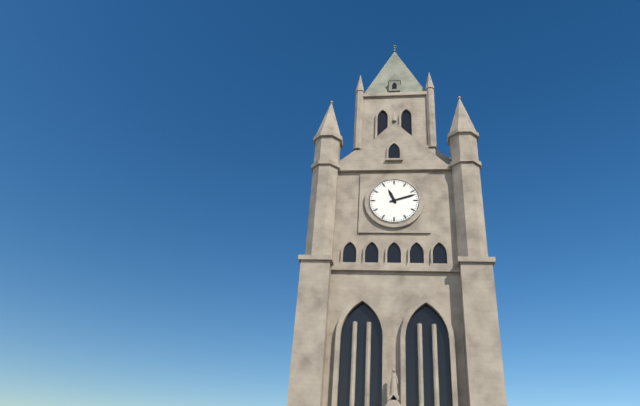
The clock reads 11.12
